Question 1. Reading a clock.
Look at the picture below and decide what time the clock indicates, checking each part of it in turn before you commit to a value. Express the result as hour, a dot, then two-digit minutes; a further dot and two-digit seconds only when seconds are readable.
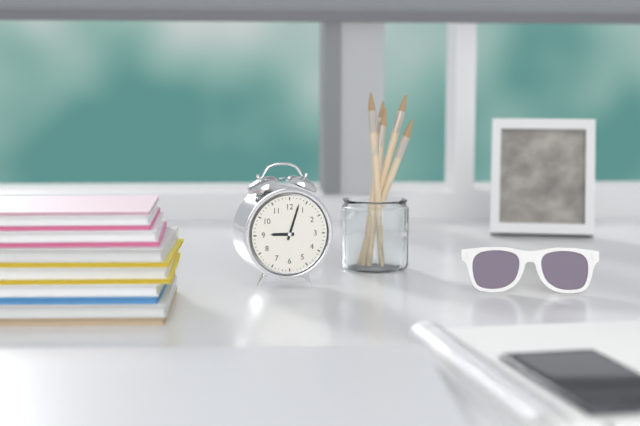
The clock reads 9.03
